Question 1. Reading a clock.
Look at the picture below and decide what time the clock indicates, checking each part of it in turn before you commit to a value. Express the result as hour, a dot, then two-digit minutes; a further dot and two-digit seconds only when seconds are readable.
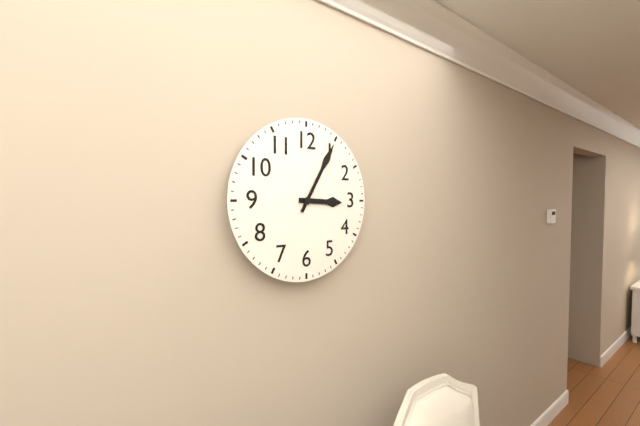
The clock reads 3.05
